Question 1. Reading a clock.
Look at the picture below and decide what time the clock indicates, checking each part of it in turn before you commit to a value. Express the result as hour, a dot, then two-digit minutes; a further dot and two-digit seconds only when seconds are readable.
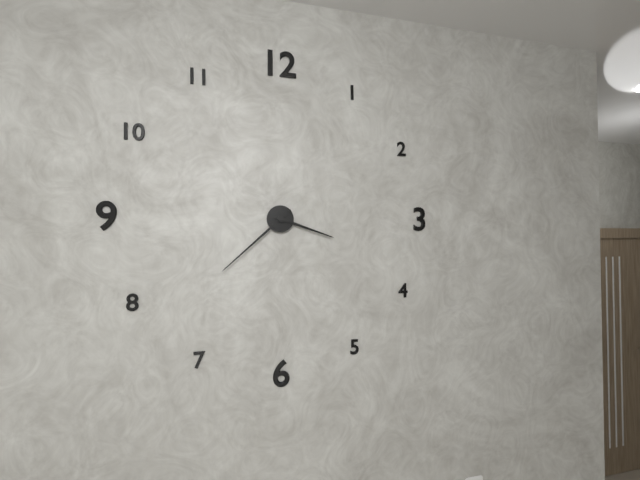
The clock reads 3.38
